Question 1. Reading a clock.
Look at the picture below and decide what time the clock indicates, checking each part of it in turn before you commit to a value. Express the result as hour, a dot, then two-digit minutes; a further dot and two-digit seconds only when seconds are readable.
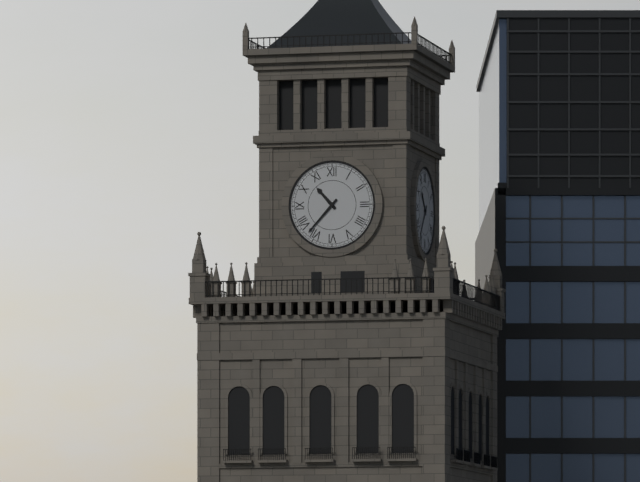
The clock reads 10.37
